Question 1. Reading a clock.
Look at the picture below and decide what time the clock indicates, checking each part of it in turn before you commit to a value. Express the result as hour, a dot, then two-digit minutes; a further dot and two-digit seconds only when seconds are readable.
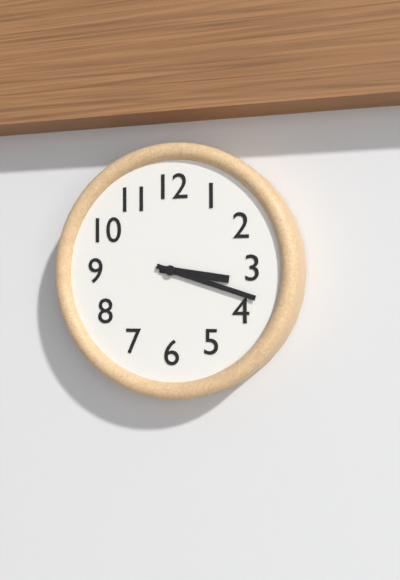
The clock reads 3.18
